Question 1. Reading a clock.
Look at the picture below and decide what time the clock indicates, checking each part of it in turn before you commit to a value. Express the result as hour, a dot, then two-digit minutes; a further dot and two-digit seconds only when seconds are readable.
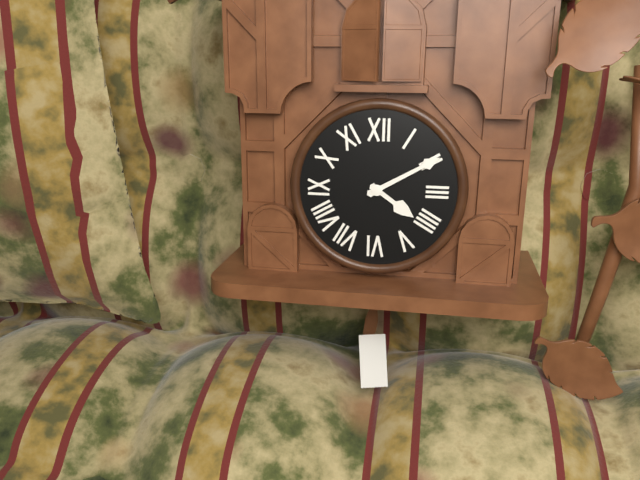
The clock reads 4.10
